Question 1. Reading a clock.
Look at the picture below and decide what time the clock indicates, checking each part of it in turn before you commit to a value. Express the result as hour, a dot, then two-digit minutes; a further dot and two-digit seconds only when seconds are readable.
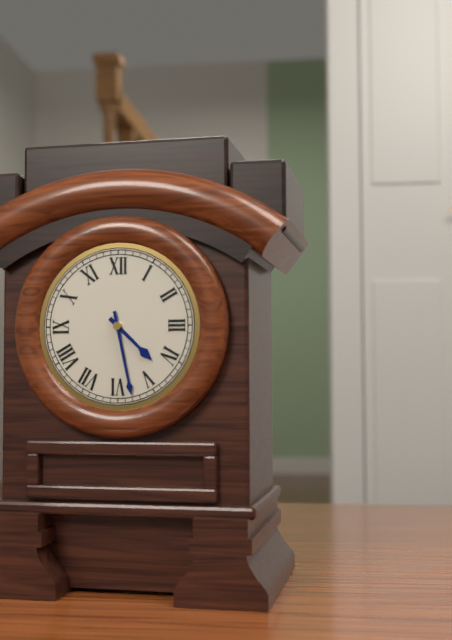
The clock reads 4.28
